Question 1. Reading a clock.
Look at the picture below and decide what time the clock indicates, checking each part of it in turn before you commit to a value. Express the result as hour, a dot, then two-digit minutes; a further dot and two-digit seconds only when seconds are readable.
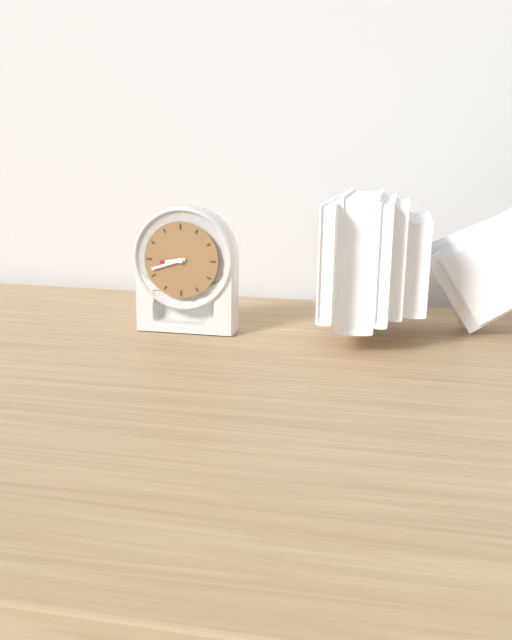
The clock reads 8.42
